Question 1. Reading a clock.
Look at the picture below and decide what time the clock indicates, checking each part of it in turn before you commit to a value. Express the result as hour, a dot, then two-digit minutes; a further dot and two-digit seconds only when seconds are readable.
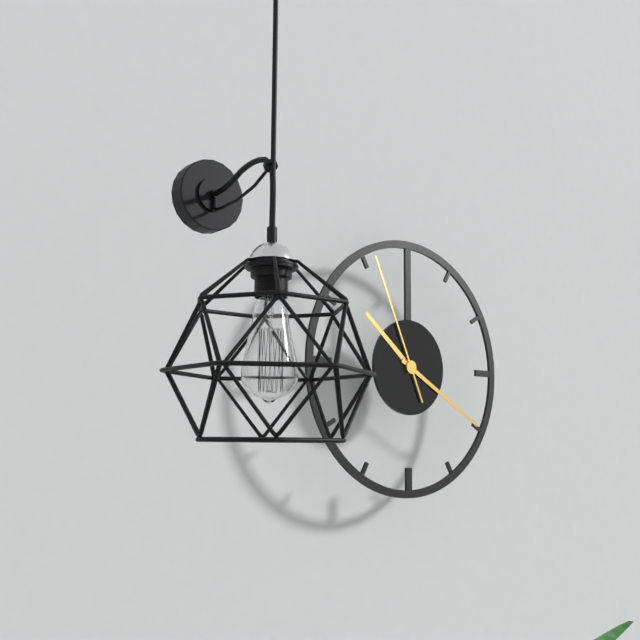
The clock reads 10.20.56
